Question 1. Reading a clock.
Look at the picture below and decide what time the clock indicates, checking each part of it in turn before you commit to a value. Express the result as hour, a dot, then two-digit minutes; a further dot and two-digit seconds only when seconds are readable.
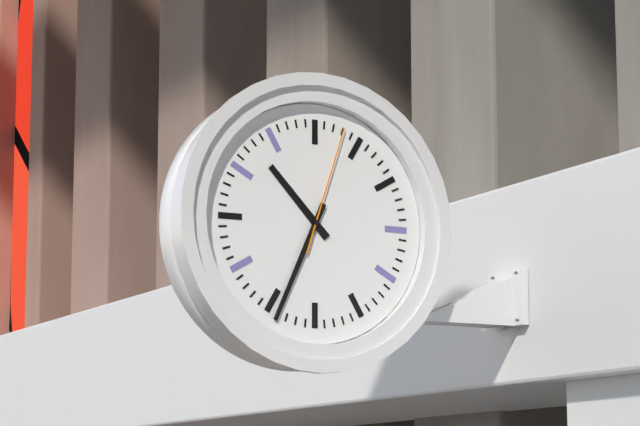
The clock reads 10.34.03
